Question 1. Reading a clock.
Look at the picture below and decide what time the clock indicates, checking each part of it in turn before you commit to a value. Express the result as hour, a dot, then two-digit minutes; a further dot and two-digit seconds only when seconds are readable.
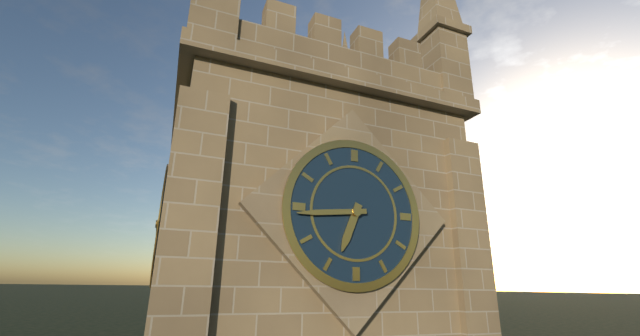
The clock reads 6.44
